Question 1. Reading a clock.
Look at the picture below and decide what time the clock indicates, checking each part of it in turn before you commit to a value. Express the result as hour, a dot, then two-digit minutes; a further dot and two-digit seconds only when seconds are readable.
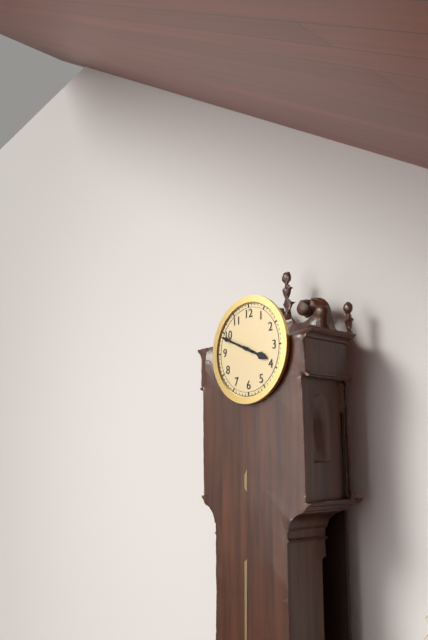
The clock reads 3.49
